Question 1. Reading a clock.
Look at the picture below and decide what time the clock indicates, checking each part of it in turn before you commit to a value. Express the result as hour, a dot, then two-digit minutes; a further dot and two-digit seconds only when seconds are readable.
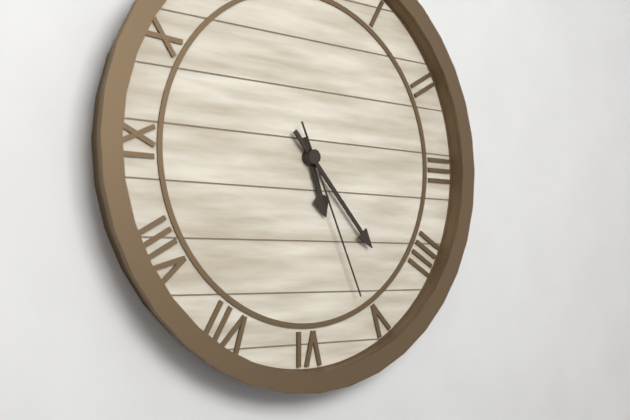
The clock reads 5.23.26
